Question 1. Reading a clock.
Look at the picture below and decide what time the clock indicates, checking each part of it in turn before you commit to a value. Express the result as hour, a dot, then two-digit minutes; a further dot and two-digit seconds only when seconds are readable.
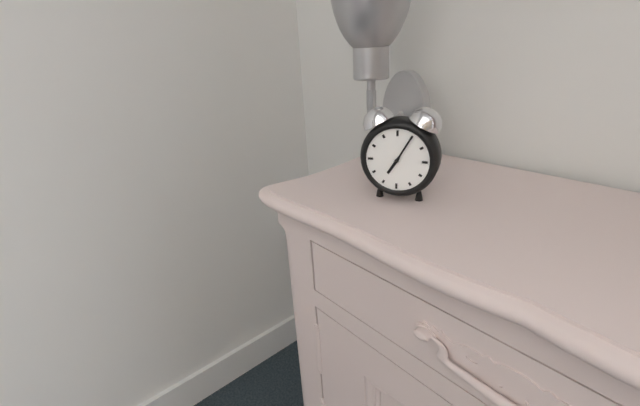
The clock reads 7.05
